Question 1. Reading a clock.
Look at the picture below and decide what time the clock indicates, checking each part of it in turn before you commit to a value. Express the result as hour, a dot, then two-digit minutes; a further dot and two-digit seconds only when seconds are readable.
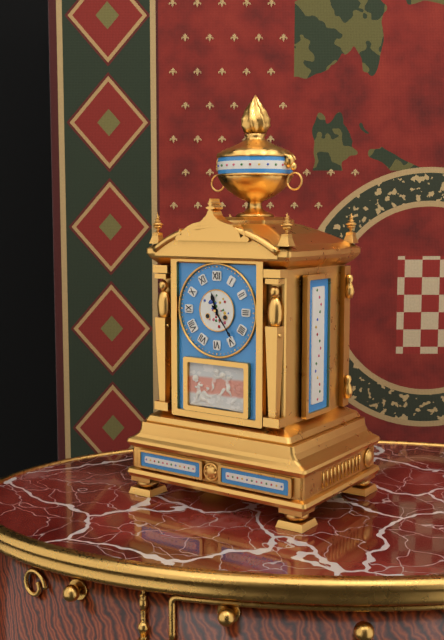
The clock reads 11.24
